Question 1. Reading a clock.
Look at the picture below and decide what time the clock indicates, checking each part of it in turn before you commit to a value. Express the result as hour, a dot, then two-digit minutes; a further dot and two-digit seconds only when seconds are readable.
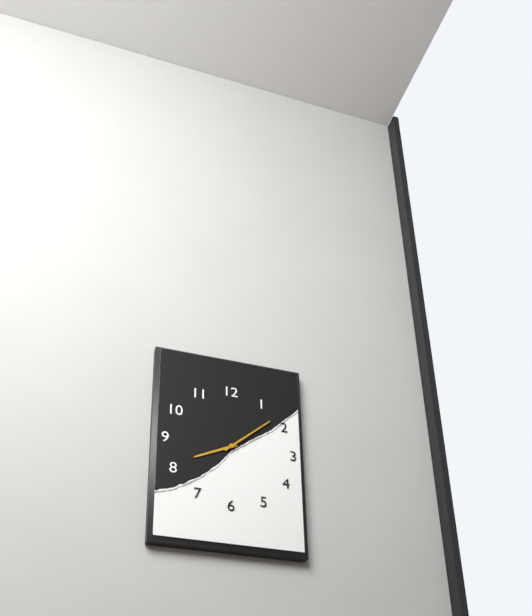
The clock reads 8.08
